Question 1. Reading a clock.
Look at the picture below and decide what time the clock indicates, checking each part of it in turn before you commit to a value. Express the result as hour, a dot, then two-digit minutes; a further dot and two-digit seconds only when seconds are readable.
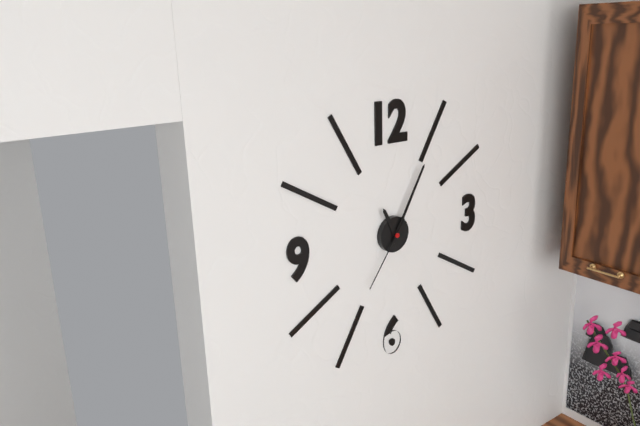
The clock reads 11.05.36
